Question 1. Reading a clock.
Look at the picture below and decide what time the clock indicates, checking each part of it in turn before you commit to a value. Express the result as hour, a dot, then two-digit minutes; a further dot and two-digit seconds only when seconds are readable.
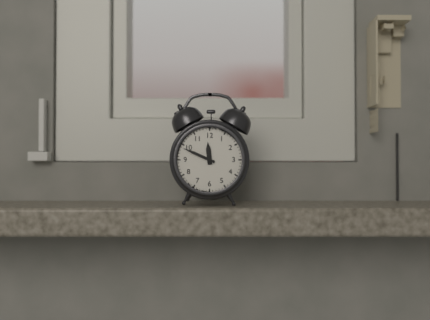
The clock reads 11.49
